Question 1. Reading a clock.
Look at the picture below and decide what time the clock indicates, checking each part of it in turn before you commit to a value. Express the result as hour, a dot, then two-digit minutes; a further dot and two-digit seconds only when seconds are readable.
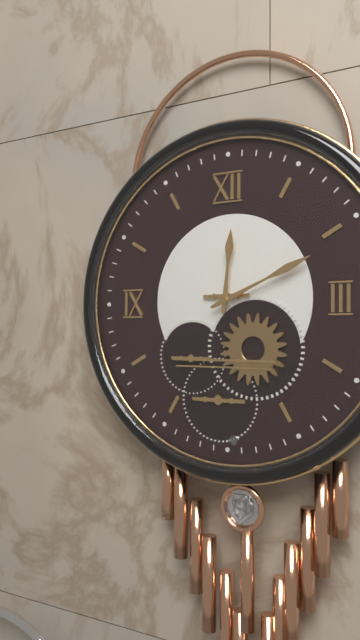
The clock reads 12.11
